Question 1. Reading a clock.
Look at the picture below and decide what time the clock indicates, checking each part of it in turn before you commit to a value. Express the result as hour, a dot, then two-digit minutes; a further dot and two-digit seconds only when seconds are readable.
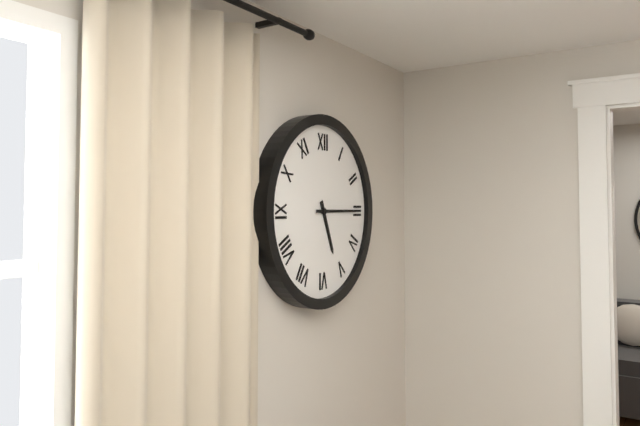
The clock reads 5.15
